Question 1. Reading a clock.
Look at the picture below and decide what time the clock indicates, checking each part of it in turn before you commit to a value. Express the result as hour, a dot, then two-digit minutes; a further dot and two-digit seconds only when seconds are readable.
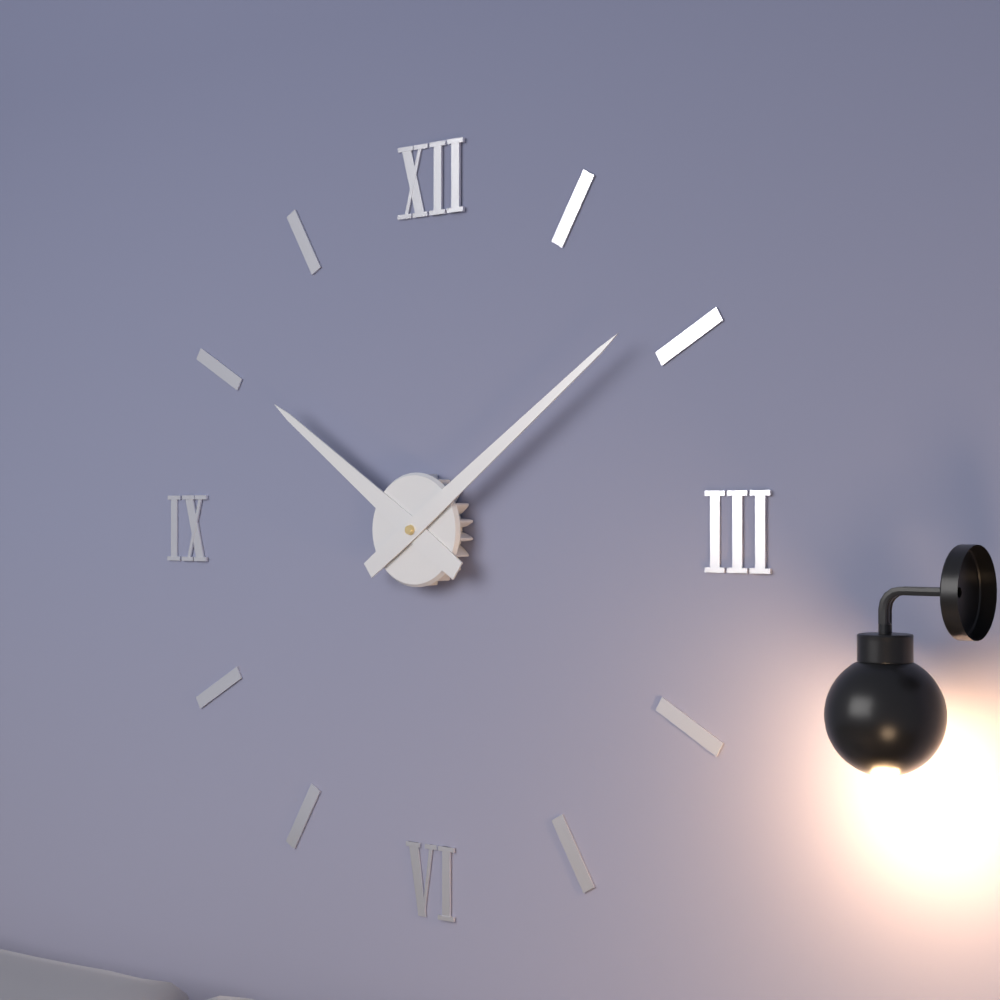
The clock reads 10.09
